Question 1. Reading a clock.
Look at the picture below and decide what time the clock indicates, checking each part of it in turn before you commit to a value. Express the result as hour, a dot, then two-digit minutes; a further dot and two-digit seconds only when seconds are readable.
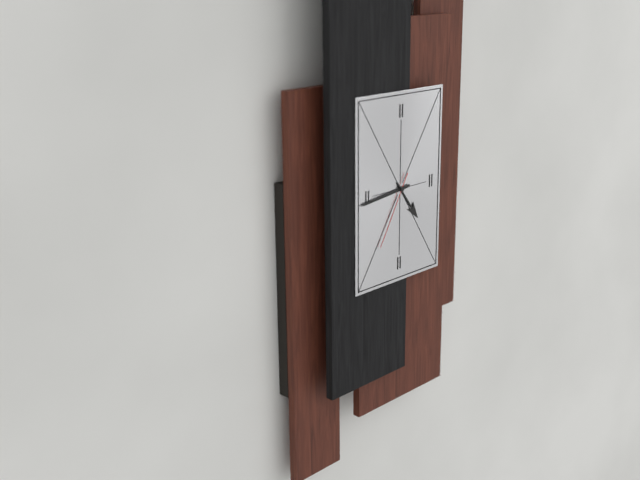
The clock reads 4.44.35
